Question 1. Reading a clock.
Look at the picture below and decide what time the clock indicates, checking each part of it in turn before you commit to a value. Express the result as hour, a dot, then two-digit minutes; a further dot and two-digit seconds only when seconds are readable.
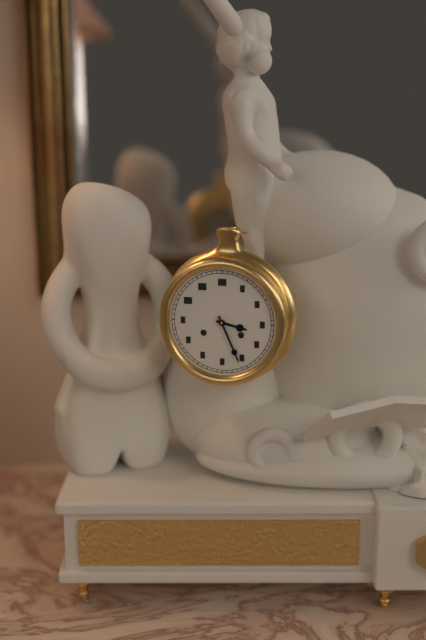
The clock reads 3.26
